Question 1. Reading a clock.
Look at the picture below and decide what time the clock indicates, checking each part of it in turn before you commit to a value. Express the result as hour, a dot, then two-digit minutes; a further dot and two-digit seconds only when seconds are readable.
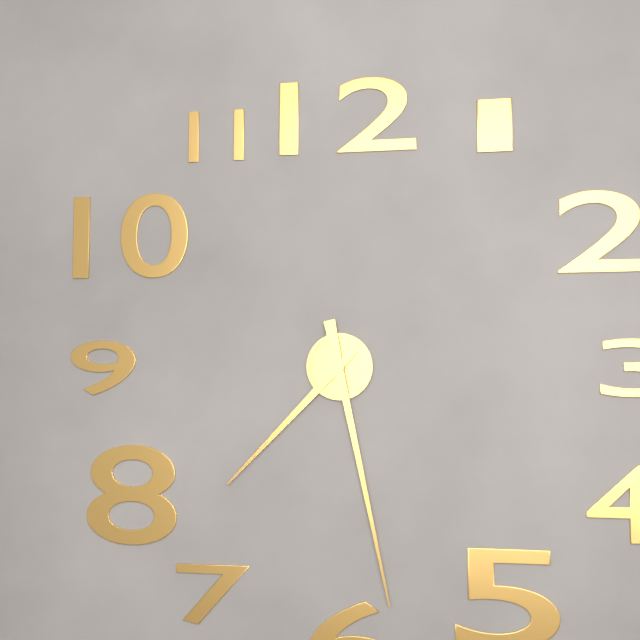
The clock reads 7.28
